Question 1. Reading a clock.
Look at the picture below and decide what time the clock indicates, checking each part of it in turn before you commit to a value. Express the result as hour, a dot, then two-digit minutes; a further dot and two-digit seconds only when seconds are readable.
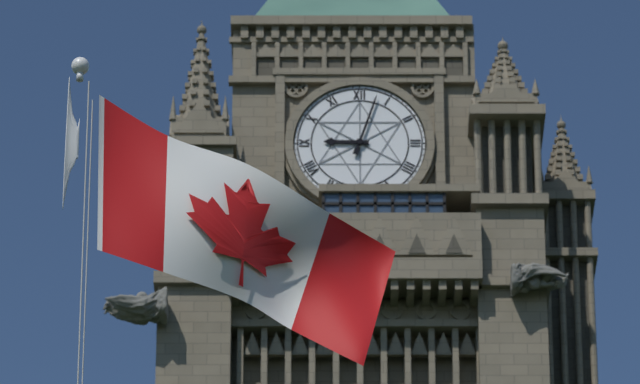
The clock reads 9.03
